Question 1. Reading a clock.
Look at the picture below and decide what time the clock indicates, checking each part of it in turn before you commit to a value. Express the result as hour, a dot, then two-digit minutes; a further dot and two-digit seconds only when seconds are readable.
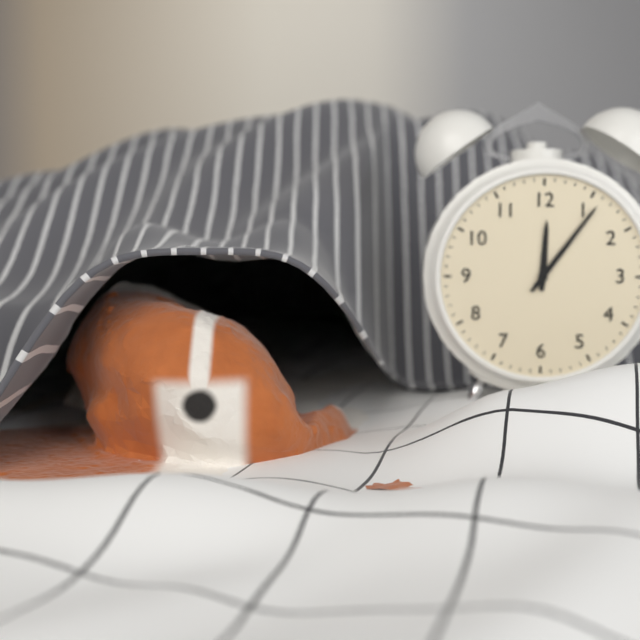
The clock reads 12.06
